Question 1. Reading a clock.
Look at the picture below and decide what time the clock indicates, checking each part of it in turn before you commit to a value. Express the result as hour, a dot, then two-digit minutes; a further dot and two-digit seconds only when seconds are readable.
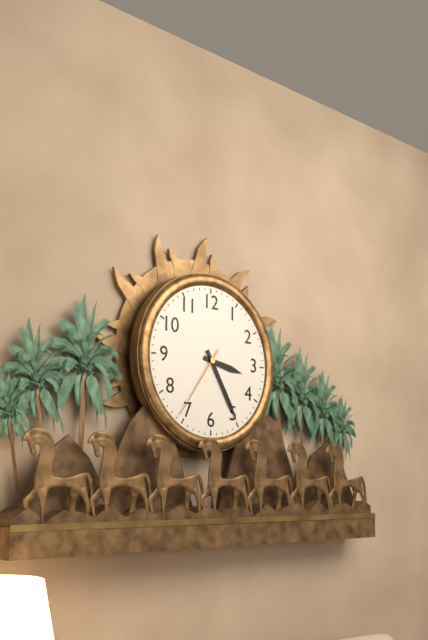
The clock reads 3.25.36
